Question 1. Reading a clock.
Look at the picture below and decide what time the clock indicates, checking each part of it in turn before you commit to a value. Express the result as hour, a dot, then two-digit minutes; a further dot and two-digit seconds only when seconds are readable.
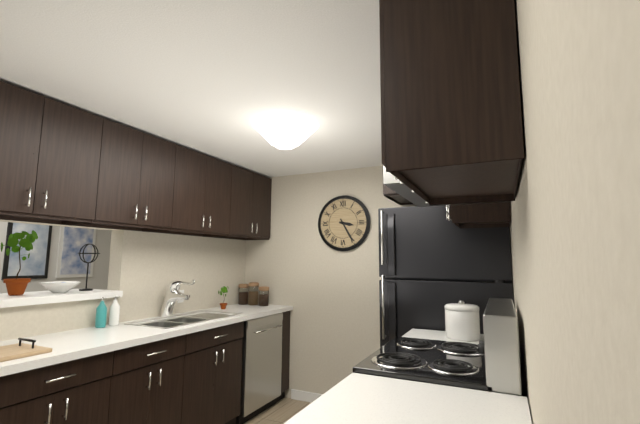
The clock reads 3.25
